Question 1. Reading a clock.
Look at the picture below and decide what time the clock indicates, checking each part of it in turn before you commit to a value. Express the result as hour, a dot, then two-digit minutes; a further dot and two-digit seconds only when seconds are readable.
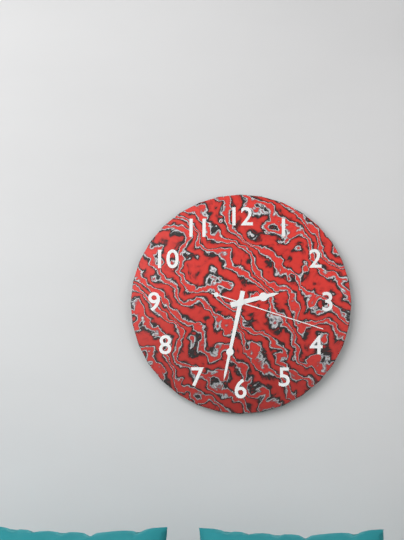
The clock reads 2.32.18
